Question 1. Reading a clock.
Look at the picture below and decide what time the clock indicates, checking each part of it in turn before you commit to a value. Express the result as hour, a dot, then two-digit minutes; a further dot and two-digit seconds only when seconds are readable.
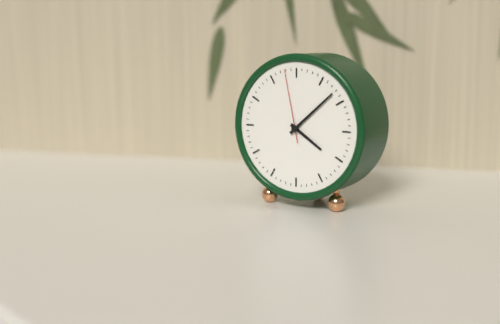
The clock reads 4.08.58
